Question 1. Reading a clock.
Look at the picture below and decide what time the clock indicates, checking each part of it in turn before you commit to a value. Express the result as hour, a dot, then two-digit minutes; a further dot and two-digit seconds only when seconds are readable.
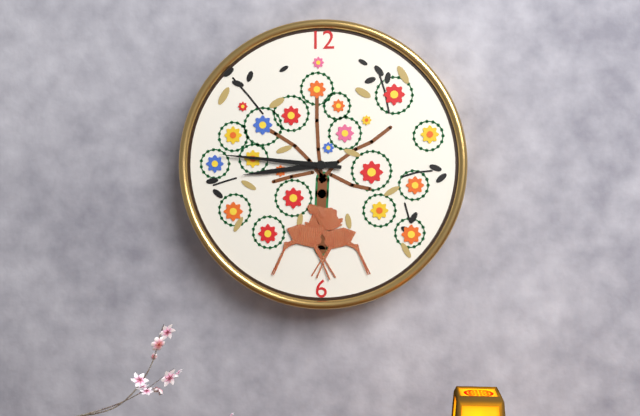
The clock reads 8.46
